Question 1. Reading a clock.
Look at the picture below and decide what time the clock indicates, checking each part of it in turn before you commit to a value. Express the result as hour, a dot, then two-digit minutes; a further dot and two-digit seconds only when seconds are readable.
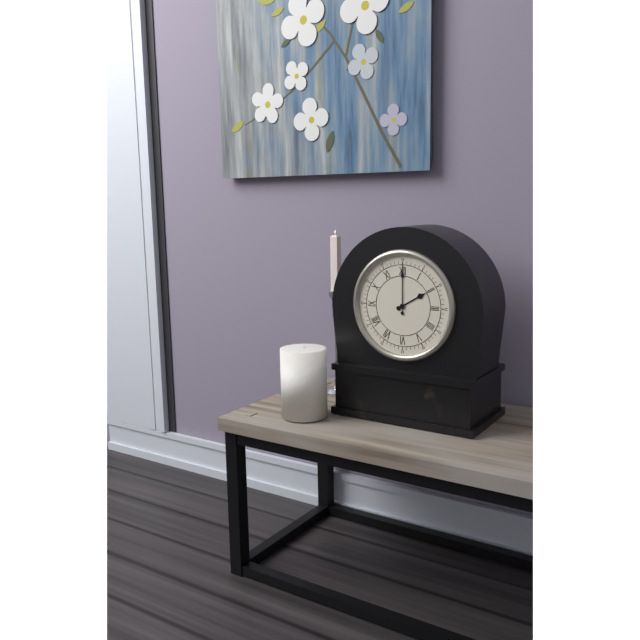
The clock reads 2.00
